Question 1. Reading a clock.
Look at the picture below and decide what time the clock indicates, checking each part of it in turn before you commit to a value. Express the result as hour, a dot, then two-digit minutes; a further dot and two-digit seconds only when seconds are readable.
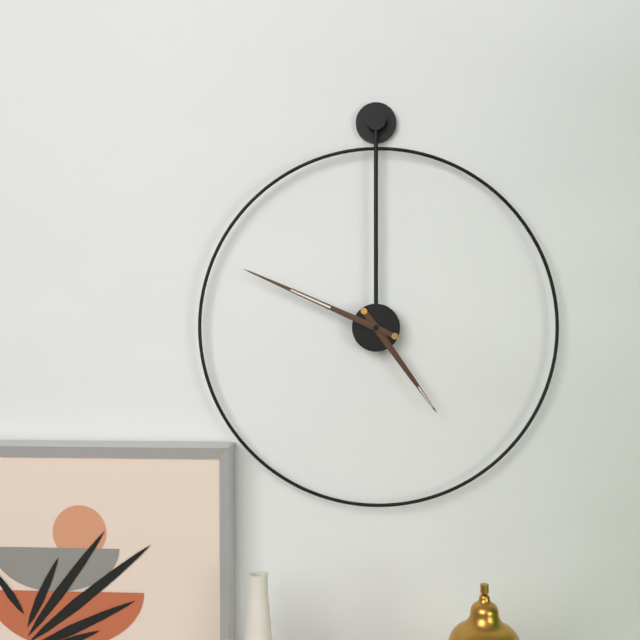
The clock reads 4.49
